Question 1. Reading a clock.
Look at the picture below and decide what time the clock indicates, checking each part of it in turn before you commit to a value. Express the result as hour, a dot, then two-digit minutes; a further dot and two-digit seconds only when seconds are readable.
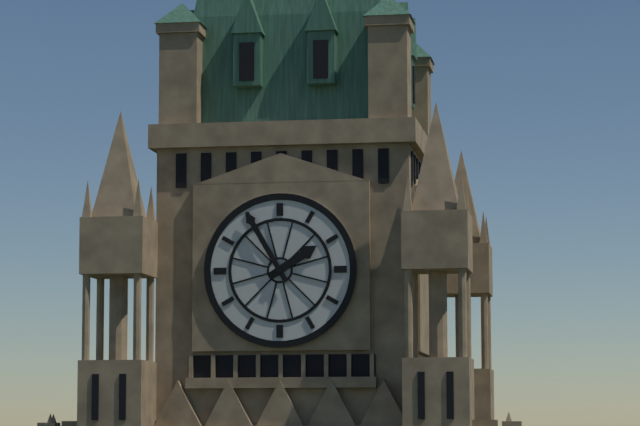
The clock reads 1.55
